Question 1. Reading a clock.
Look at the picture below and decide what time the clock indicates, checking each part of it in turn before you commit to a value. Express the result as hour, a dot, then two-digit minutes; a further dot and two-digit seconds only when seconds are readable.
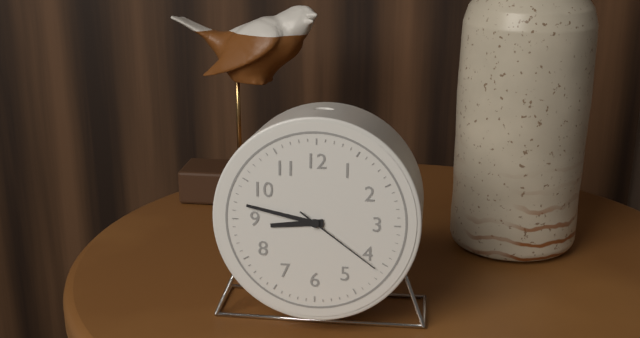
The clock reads 8.47.21
